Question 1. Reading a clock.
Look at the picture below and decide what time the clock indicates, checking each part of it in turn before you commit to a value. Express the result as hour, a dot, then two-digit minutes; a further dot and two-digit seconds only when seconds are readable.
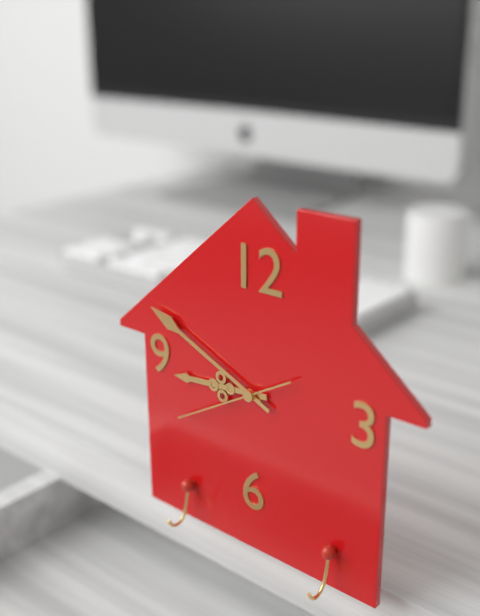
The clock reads 8.49.40
